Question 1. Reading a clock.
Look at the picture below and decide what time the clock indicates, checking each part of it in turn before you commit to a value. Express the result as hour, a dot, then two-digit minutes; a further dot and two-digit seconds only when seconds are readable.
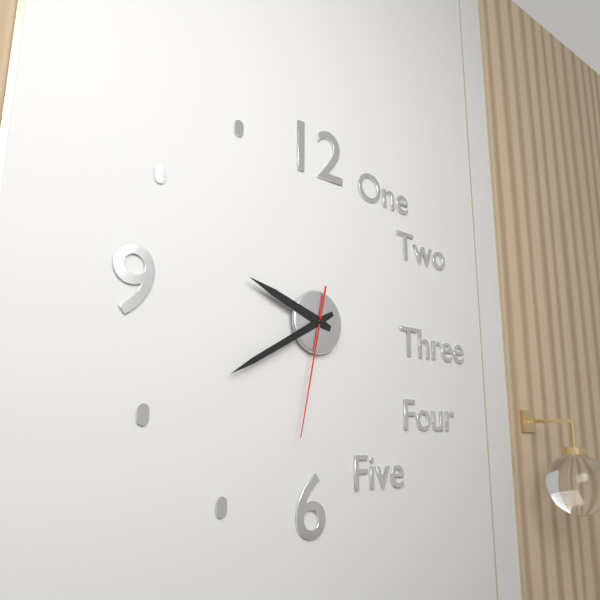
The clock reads 9.40.32
